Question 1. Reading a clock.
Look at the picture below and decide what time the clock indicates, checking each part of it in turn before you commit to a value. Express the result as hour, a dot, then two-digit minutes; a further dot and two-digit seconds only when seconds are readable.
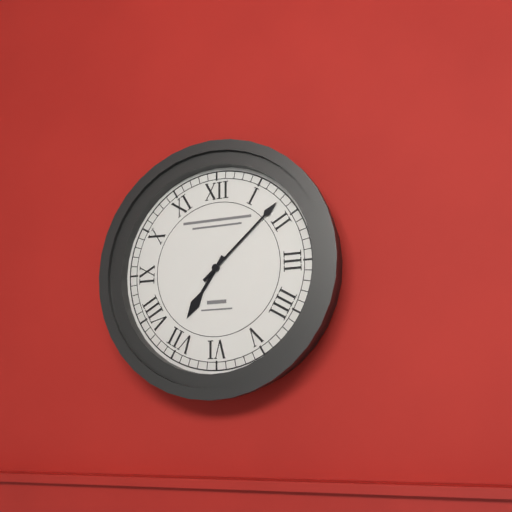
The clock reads 7.08
